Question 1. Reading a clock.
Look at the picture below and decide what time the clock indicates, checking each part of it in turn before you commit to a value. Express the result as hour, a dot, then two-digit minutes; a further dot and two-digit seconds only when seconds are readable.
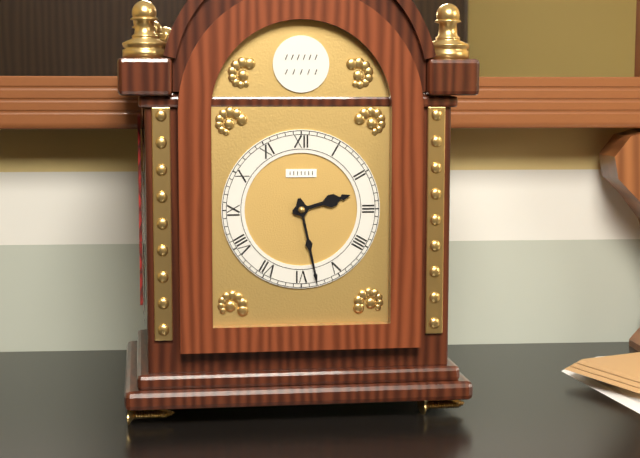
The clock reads 2.28
